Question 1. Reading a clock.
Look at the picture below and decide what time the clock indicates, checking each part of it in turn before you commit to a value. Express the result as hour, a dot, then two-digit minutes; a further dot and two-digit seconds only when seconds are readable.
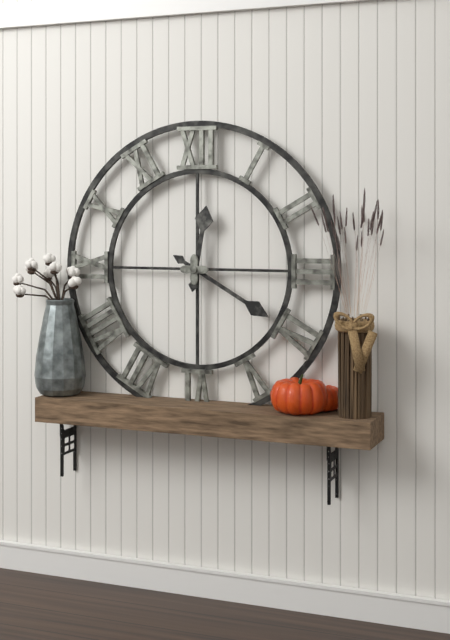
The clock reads 12.20
